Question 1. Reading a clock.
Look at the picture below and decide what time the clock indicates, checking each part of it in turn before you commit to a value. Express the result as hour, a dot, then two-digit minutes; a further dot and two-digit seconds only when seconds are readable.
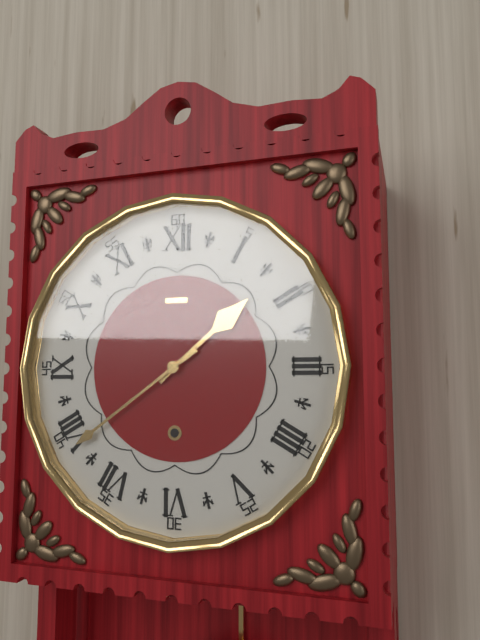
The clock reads 1.39
